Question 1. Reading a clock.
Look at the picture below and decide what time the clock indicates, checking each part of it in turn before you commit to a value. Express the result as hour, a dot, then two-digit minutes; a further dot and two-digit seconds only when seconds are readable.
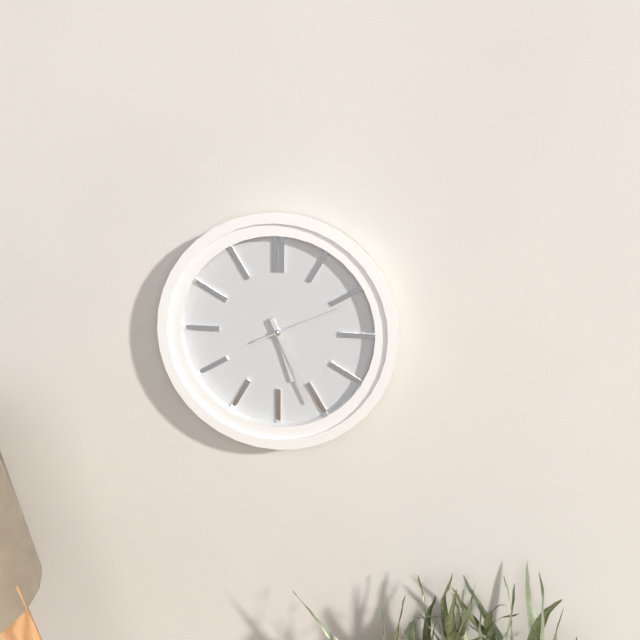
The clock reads 5.26.11
